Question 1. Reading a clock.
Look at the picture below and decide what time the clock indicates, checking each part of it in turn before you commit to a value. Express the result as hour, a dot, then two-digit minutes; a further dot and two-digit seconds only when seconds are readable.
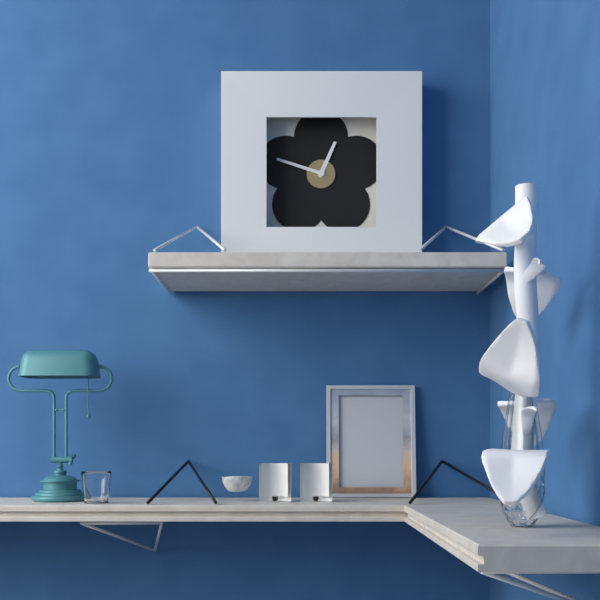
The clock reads 12.48
